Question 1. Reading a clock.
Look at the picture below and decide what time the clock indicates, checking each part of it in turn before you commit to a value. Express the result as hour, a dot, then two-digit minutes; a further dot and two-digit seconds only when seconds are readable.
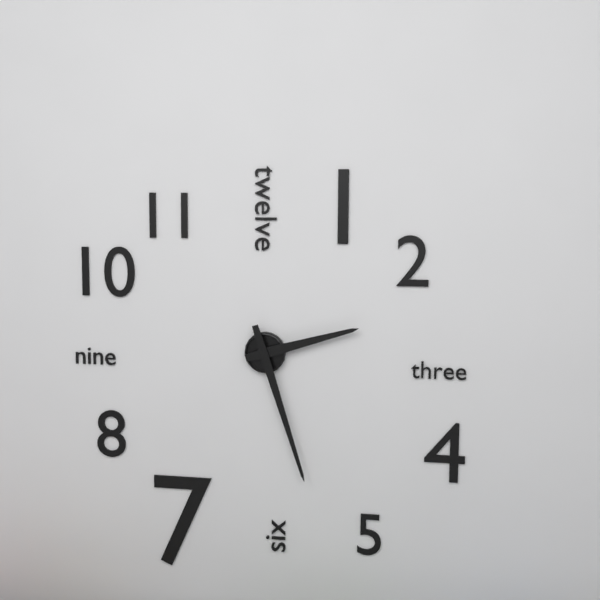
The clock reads 2.27
